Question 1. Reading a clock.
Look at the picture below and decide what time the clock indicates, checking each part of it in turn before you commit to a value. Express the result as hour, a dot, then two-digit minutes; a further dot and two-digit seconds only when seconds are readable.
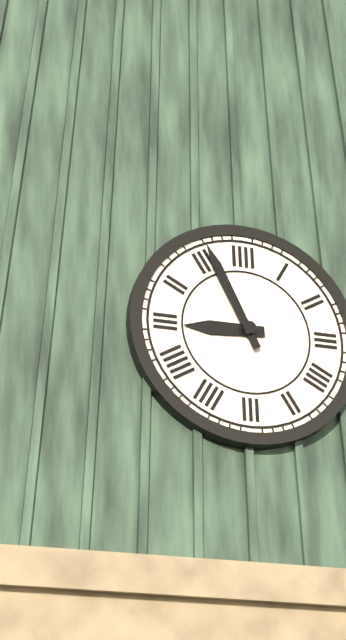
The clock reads 8.56
